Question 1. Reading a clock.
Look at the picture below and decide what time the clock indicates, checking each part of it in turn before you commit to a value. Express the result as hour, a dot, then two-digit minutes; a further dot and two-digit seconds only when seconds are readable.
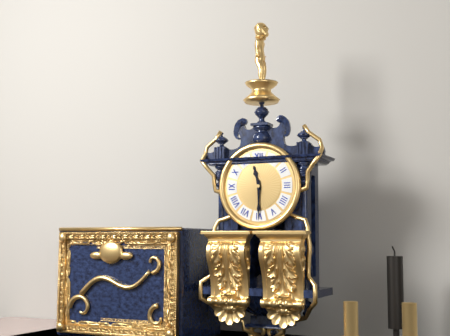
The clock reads 11.30
